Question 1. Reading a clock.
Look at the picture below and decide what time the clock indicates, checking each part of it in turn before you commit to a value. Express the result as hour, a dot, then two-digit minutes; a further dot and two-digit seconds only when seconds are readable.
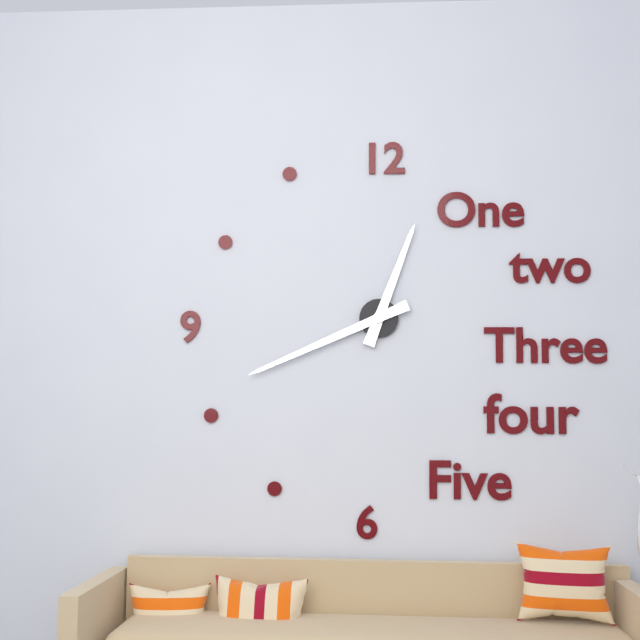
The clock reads 12.41
